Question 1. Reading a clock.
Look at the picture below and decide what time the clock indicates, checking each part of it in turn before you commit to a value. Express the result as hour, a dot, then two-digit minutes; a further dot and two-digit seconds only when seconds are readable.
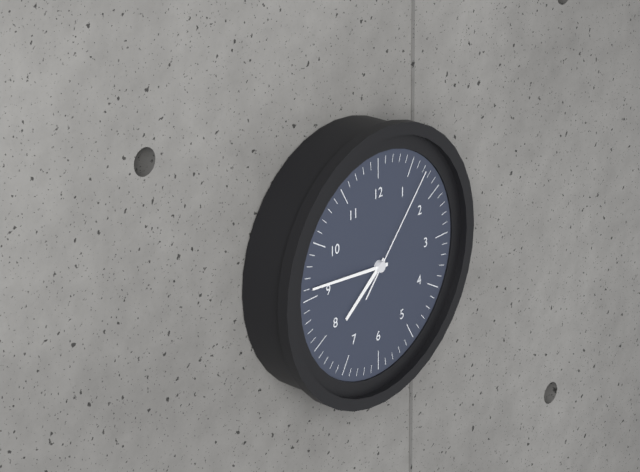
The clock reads 7.46.07
